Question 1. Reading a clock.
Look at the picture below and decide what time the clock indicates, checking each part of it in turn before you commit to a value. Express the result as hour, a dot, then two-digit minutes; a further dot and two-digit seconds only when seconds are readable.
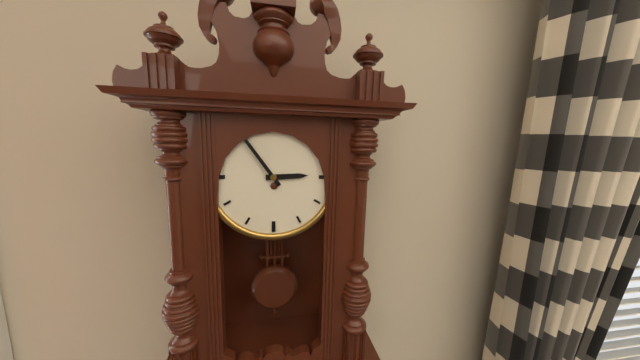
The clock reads 2.54
